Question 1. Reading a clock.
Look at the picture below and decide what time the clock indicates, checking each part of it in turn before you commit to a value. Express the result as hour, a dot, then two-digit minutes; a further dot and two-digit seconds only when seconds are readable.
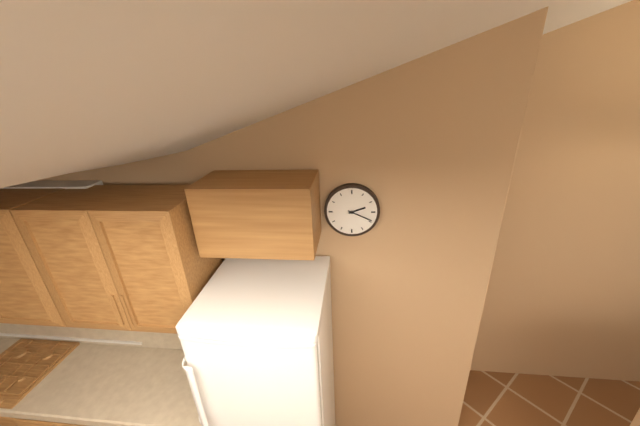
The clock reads 2.19
